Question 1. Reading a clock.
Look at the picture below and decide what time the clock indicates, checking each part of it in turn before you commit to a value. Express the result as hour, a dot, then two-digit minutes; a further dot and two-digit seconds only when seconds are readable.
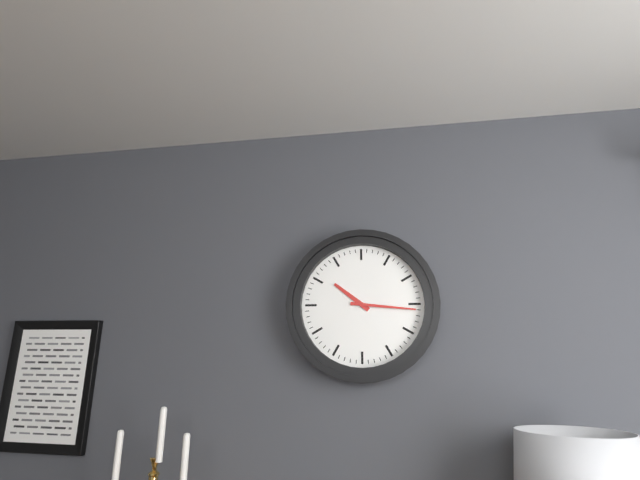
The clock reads 10.16
